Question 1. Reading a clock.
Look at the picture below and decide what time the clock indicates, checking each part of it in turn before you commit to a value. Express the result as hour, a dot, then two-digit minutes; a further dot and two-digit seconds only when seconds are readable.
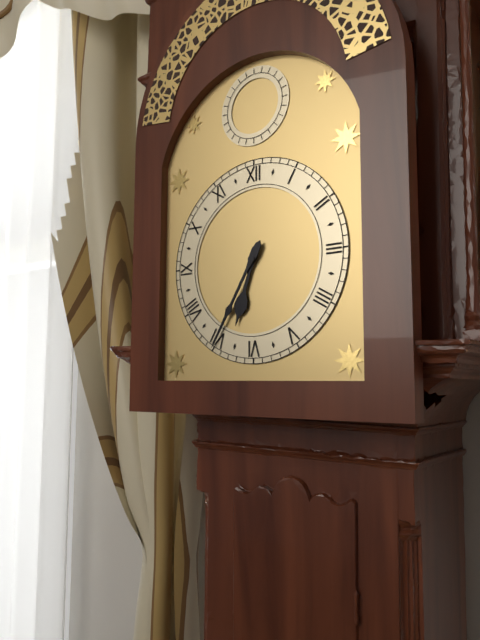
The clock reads 6.35
